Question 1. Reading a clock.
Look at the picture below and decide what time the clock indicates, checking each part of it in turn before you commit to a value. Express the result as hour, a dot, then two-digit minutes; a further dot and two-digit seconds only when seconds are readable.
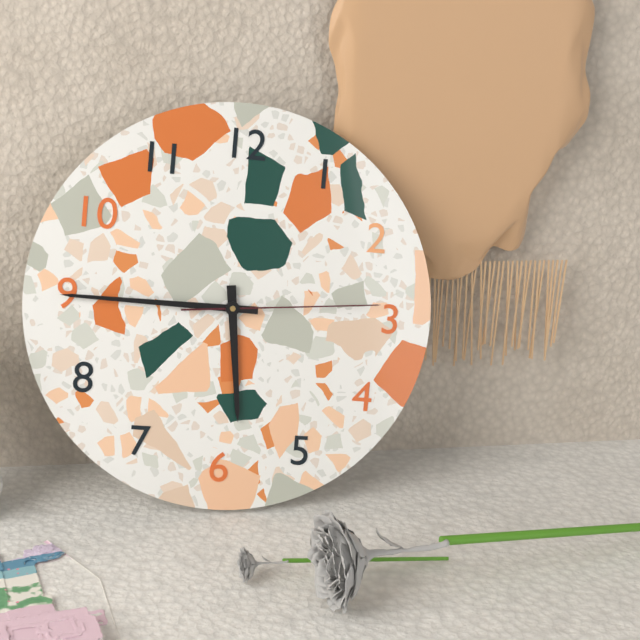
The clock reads 5.45.14
